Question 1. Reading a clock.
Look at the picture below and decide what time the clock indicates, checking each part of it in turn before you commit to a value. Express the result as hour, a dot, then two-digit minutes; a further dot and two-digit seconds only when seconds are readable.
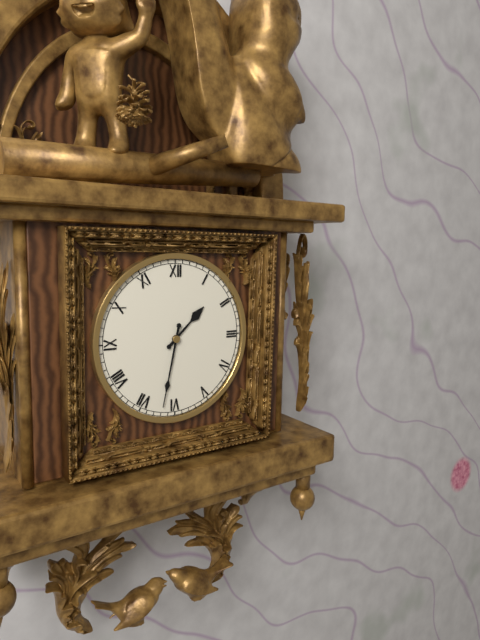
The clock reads 1.32
